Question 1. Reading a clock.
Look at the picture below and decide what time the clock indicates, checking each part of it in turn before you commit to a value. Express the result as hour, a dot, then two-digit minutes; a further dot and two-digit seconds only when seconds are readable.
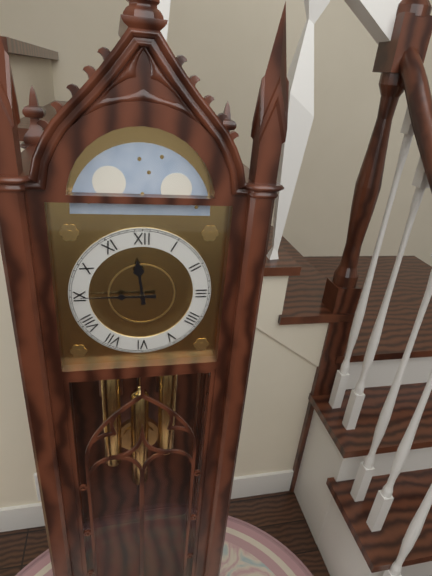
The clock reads 11.45
